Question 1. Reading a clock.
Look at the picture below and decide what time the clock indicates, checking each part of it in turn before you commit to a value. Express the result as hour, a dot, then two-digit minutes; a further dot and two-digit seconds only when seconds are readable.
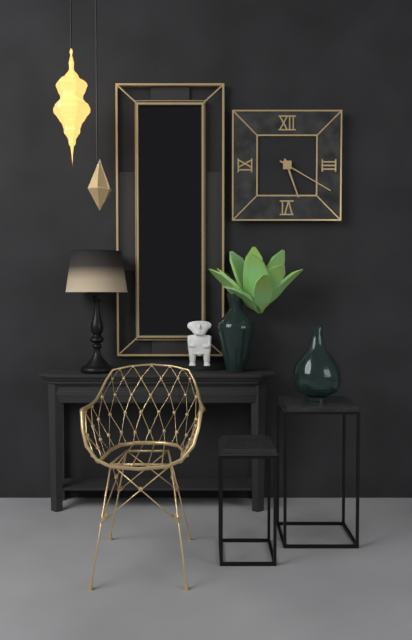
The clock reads 5.20
